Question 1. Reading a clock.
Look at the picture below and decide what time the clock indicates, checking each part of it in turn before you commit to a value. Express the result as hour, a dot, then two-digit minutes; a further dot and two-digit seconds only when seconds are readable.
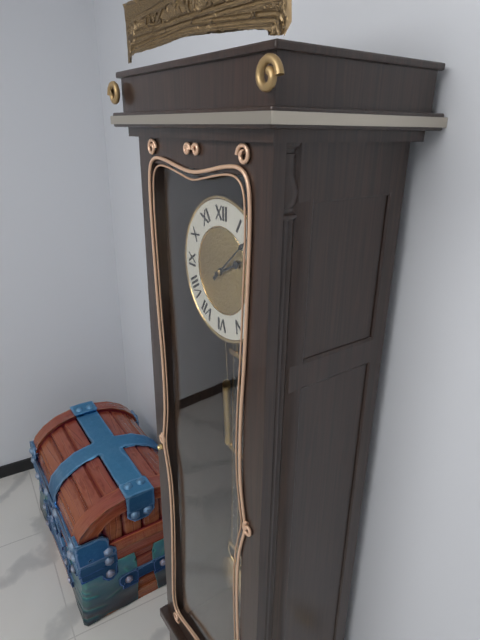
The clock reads 2.08
